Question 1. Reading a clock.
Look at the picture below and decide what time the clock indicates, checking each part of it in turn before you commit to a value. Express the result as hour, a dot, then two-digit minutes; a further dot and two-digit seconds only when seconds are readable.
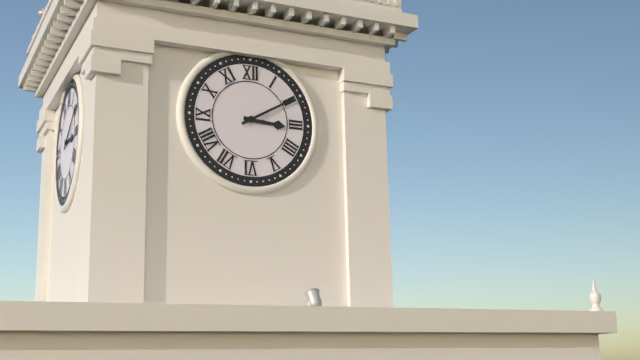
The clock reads 3.10
